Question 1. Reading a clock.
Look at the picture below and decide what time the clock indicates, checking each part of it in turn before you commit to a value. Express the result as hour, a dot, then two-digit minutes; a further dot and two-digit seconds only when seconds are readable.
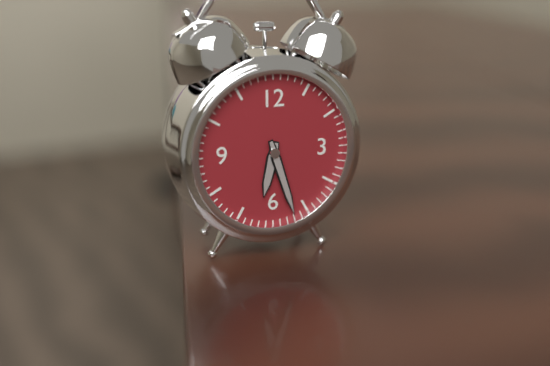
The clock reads 6.27
